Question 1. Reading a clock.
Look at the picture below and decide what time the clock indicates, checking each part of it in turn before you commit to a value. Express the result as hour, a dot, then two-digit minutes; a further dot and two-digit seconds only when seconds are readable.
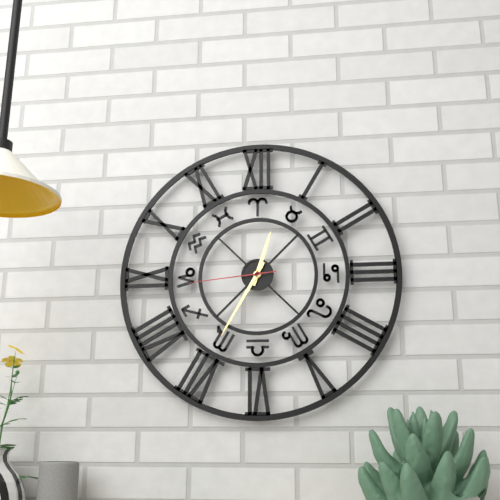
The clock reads 12.35.44
